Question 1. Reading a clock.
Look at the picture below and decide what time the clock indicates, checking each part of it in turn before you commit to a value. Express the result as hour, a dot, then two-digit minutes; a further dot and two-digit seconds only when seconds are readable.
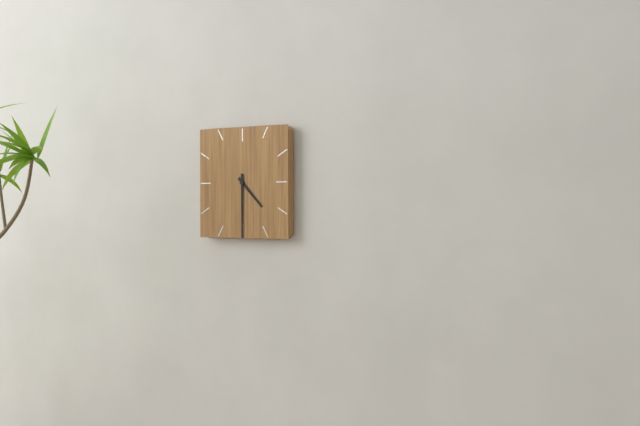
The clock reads 4.30
